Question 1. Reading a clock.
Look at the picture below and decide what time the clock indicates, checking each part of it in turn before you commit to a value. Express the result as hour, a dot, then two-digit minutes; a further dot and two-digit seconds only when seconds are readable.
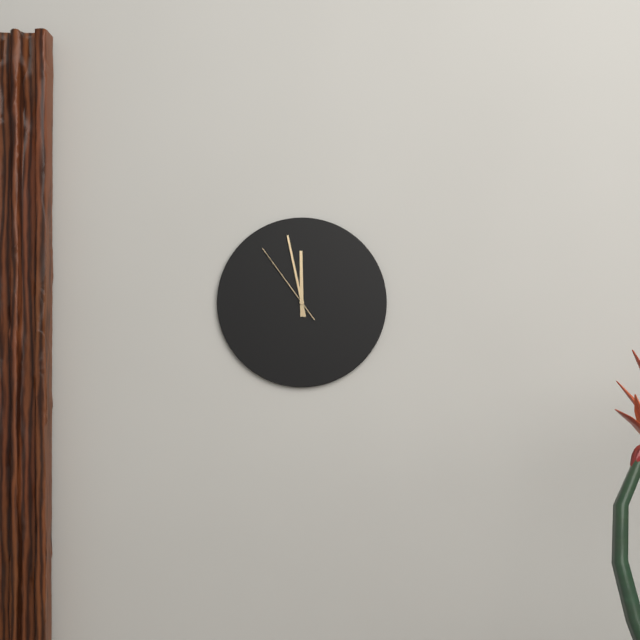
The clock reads 11.58.54
